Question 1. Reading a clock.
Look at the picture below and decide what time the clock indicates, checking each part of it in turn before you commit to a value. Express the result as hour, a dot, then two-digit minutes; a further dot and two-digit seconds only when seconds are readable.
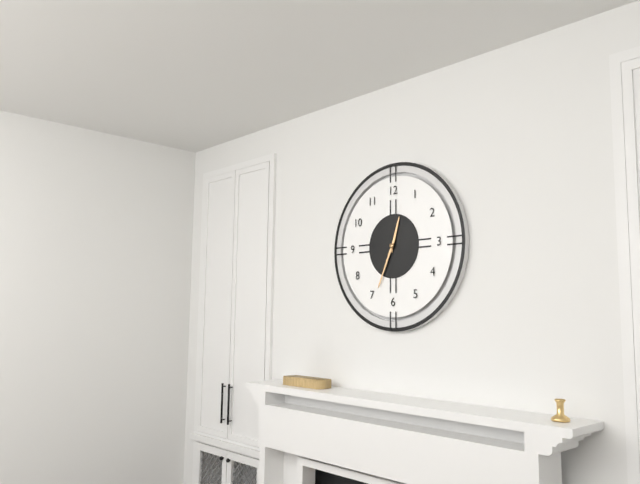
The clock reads 12.34
